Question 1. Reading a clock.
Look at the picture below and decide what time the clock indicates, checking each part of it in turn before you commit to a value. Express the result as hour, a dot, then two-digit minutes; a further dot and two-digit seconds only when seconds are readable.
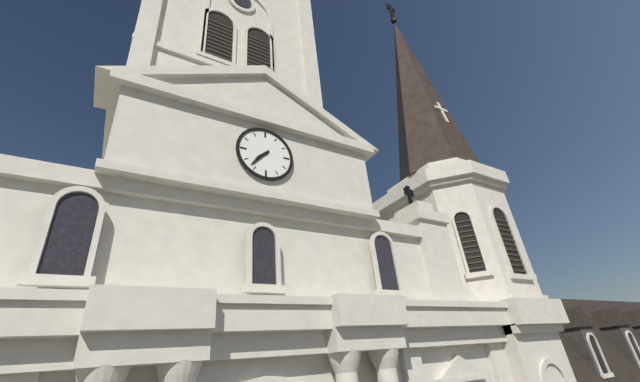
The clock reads 7.37
